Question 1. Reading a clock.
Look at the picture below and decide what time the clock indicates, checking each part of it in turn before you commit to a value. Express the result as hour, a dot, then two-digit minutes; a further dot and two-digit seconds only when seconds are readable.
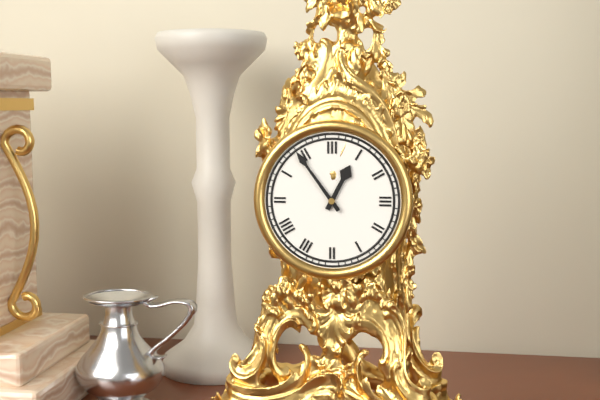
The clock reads 12.54
